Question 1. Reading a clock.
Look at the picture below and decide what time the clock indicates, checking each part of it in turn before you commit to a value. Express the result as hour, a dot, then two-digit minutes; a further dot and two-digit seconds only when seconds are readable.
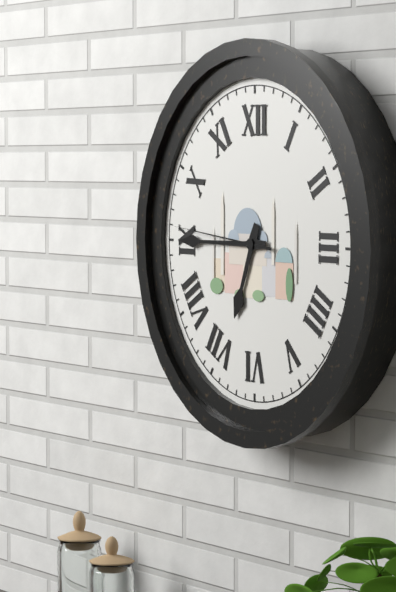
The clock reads 6.45.46
